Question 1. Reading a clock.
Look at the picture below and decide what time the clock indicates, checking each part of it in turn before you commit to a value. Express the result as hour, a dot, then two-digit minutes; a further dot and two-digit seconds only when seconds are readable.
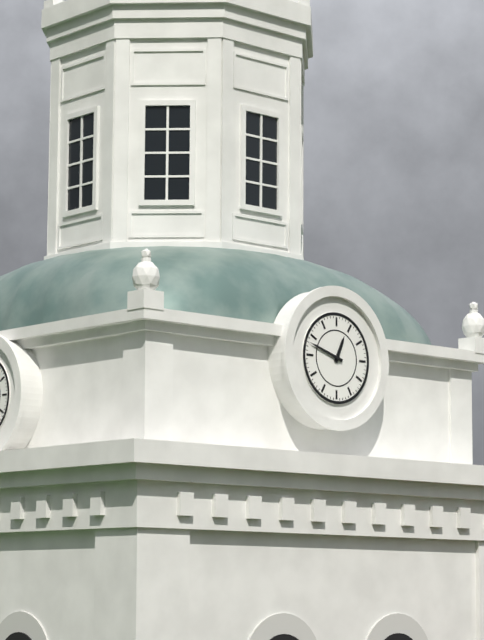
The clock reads 12.48
